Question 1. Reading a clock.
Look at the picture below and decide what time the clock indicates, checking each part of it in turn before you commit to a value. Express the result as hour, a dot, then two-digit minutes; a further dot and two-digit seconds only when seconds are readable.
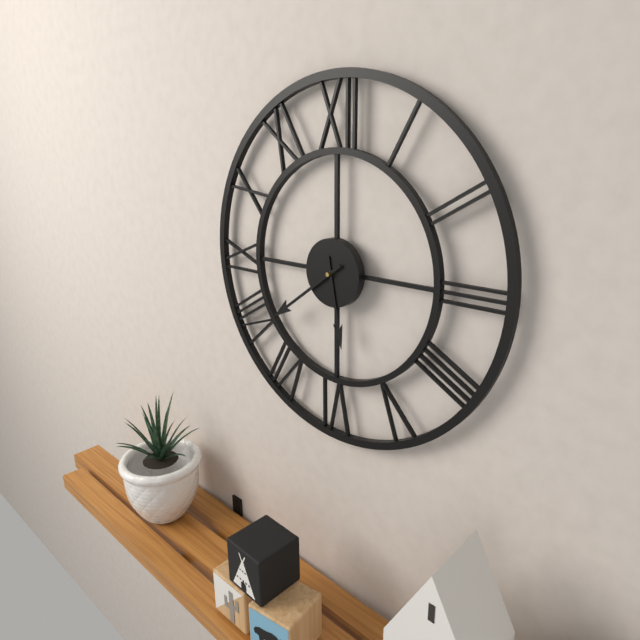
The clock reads 5.39
